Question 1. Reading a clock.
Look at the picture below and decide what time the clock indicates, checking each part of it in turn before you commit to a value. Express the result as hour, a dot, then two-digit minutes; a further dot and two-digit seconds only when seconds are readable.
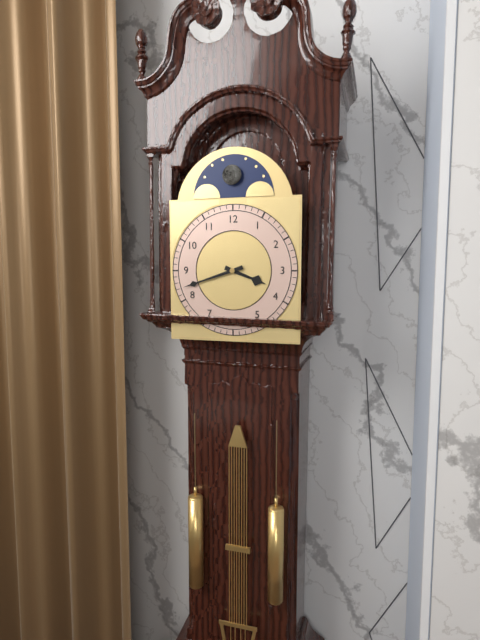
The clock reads 3.42
